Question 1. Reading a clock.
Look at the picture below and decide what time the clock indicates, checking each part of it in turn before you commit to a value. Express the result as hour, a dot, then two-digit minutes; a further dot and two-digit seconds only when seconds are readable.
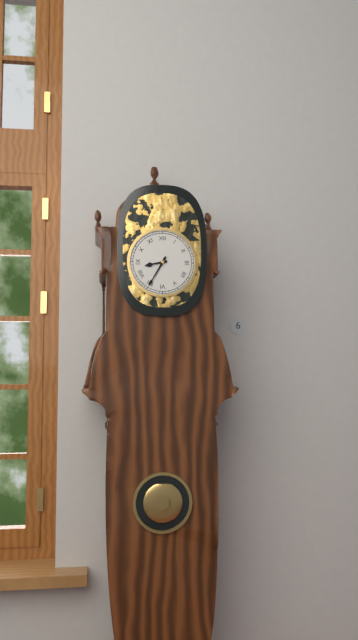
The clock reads 8.35
